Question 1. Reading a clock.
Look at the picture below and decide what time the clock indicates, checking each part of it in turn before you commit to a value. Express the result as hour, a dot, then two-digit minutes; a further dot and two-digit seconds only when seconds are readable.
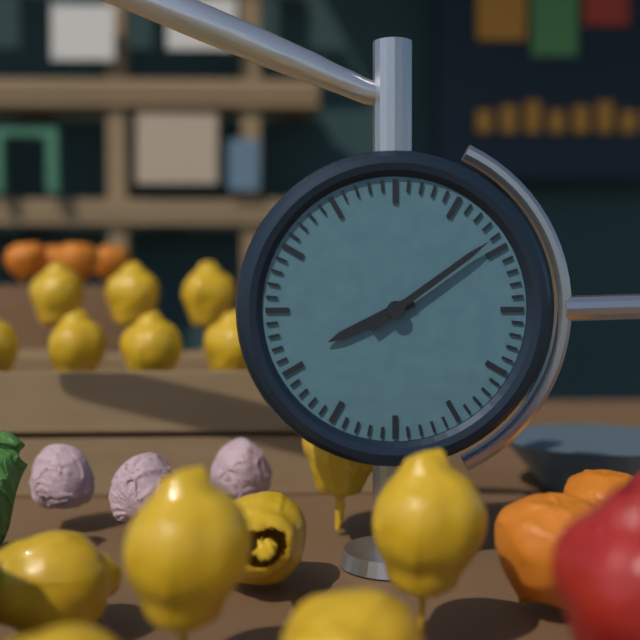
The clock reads 8.09
